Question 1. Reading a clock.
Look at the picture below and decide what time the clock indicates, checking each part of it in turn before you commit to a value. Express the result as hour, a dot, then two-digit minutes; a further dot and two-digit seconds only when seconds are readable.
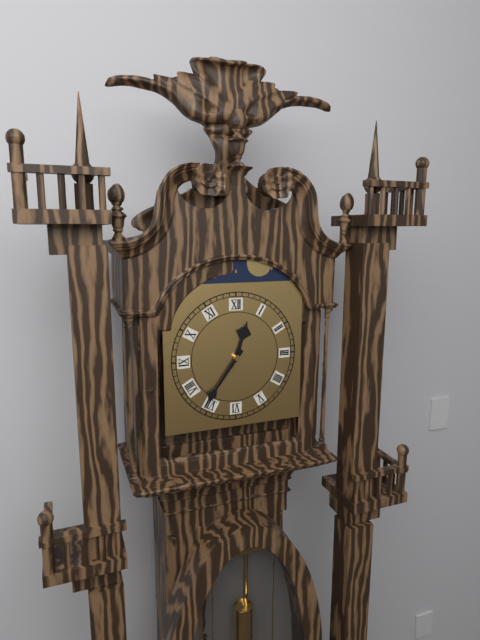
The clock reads 12.36
